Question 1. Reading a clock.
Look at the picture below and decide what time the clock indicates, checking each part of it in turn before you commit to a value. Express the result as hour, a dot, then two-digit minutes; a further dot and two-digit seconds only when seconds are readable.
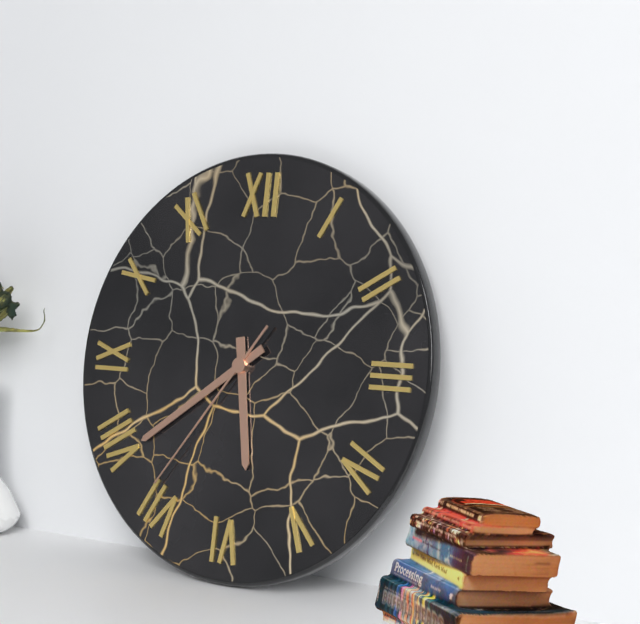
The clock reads 5.39.36
